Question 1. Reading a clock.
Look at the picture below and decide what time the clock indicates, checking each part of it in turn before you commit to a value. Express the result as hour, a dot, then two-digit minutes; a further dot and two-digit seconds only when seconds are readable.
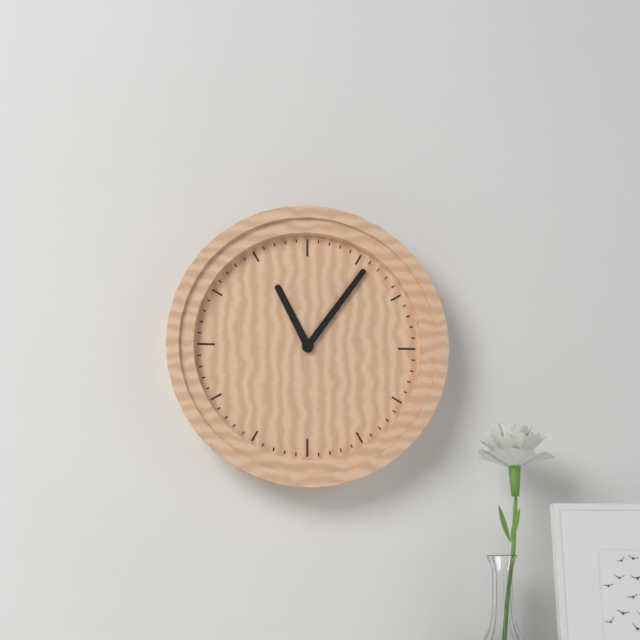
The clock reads 11.06
